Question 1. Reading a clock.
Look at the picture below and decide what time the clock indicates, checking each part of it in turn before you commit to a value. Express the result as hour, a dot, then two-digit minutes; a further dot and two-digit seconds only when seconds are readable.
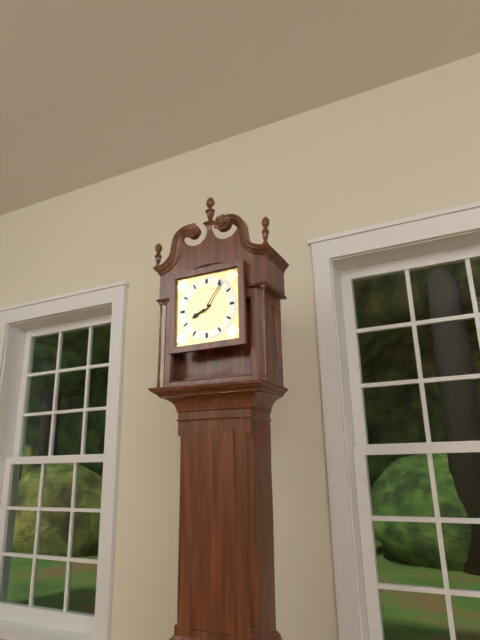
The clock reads 8.06
